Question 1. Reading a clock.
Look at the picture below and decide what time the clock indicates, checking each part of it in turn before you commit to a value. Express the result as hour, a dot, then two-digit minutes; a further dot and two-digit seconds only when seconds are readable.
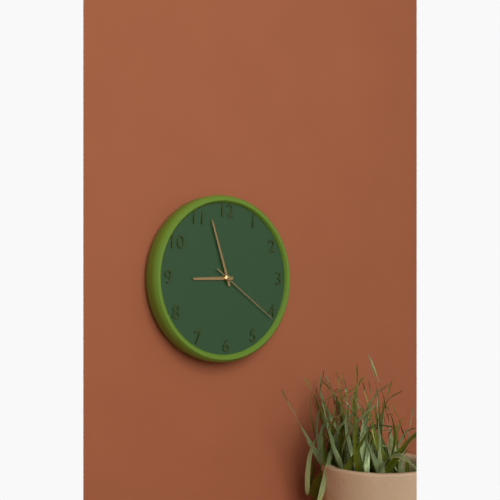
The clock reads 8.57.21
